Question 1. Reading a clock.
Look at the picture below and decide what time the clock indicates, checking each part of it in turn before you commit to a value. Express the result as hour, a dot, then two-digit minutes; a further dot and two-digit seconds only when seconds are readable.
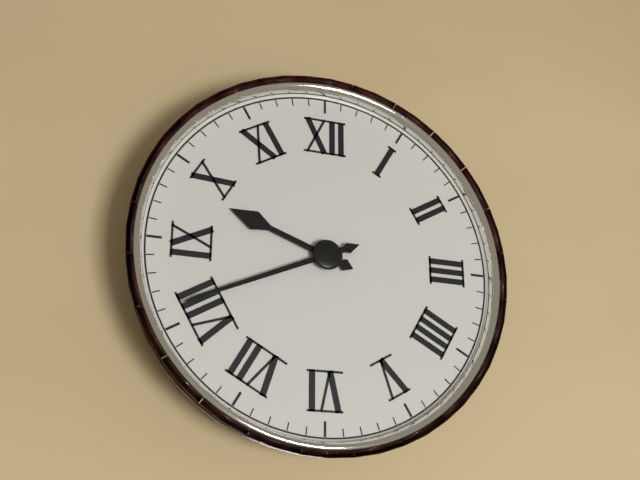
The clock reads 9.41
